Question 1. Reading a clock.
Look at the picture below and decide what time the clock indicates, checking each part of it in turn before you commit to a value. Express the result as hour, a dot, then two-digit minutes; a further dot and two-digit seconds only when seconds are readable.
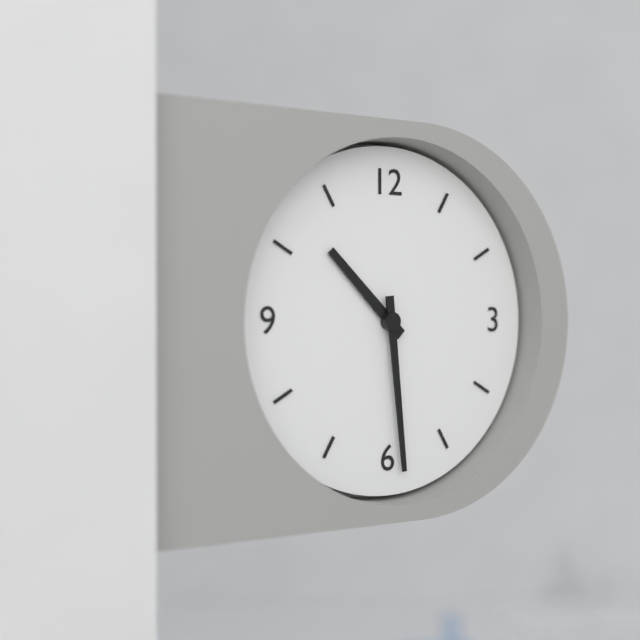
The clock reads 10.29
